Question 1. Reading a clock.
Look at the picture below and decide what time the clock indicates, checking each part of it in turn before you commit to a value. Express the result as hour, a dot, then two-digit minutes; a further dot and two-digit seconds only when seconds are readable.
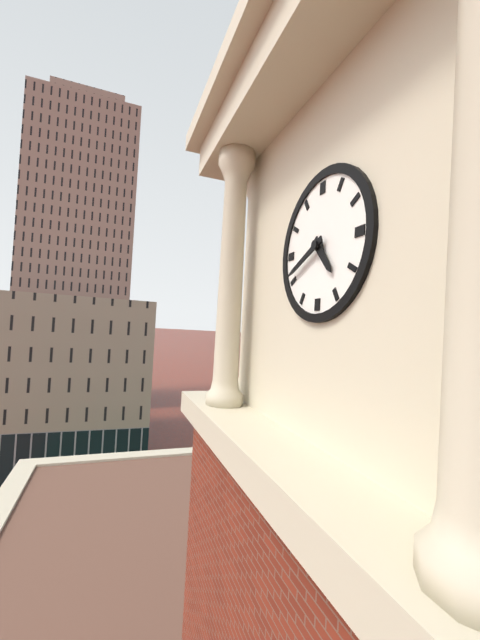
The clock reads 4.41
